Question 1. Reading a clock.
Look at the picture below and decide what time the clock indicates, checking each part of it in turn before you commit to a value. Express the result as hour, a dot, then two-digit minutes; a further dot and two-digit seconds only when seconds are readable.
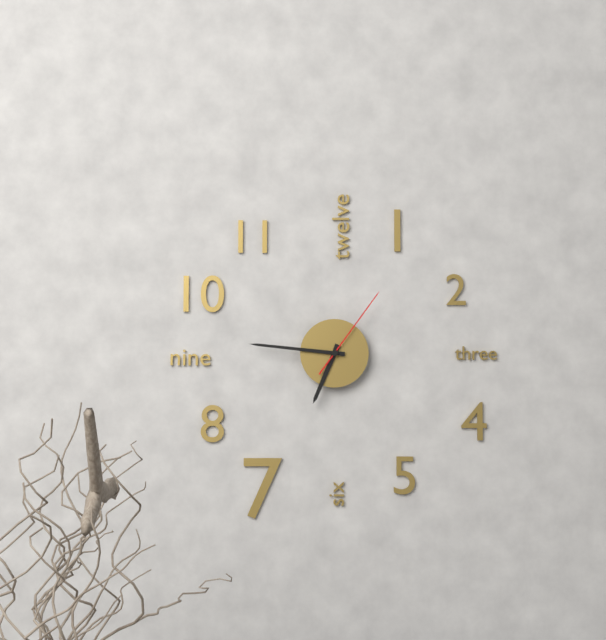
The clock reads 6.46.06
